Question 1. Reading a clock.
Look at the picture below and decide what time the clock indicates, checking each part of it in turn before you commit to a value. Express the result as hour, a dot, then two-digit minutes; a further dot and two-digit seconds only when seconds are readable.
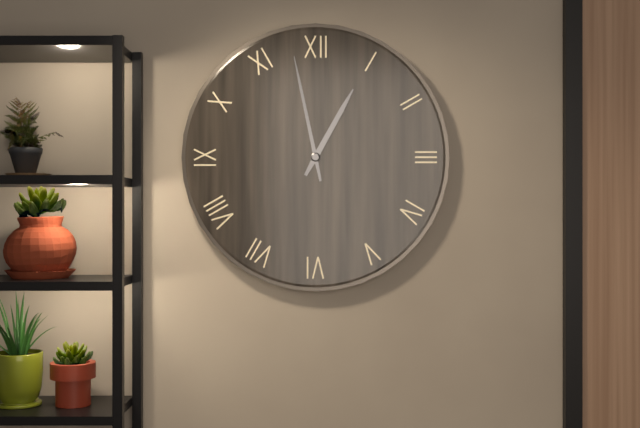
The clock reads 12.58
